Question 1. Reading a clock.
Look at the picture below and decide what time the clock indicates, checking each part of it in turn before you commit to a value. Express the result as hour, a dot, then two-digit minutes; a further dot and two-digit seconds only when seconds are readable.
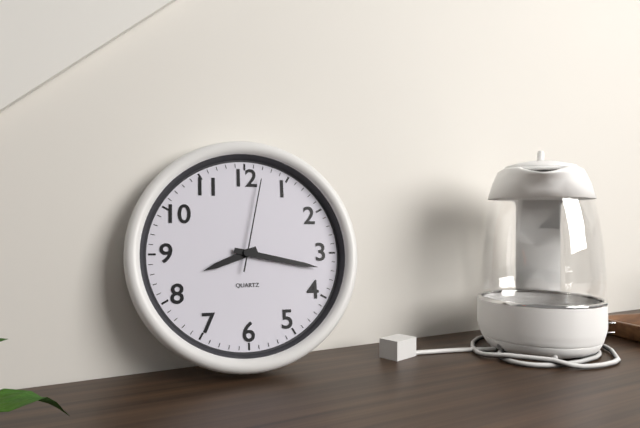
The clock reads 8.17.02
